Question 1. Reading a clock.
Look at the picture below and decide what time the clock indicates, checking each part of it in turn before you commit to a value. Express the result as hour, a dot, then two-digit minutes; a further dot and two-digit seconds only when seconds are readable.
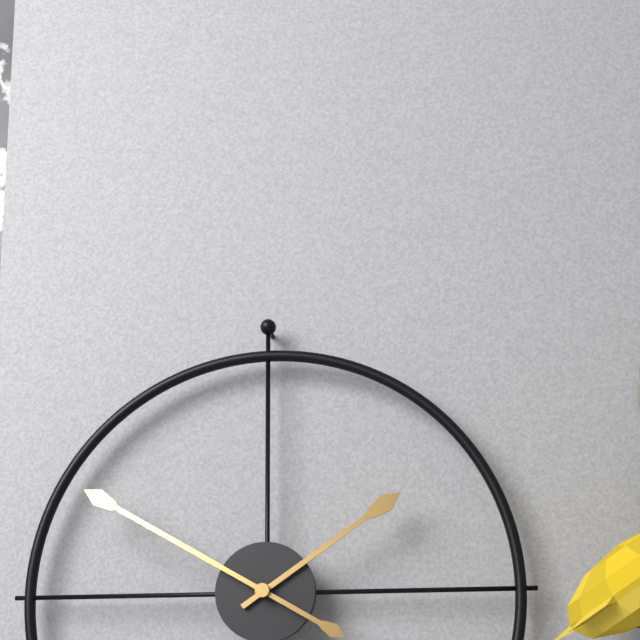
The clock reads 1.50
